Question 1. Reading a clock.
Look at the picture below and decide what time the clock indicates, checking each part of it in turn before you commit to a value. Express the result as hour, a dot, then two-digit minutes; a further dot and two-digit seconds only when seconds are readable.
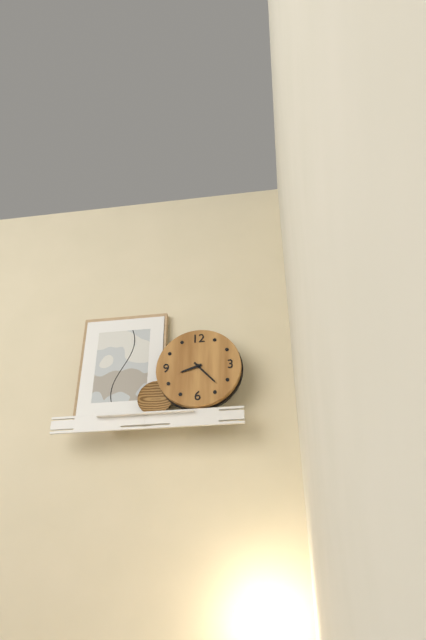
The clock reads 8.23
